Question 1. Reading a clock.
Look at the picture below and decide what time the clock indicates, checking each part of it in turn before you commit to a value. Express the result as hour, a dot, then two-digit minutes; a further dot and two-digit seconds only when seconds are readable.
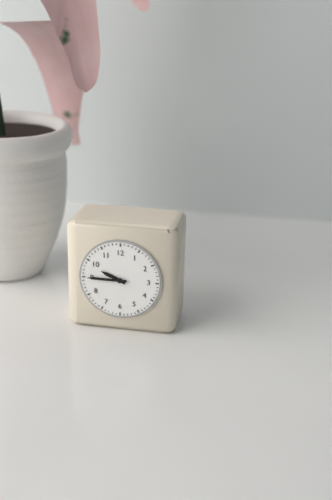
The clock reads 9.45
